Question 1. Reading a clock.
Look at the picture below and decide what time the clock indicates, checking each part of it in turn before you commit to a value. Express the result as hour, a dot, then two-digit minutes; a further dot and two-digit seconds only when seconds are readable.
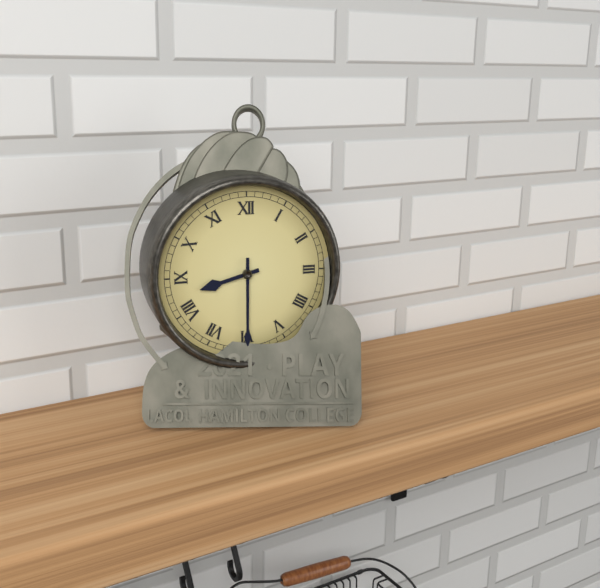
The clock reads 8.30
